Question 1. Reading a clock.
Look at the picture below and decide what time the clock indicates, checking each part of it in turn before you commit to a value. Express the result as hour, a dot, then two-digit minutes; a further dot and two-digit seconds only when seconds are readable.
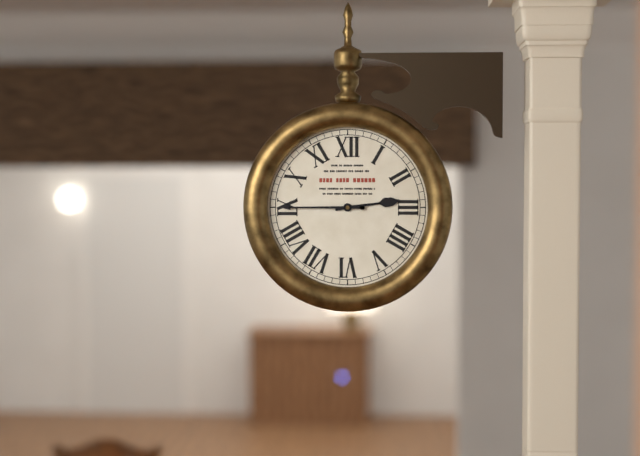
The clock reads 2.45
